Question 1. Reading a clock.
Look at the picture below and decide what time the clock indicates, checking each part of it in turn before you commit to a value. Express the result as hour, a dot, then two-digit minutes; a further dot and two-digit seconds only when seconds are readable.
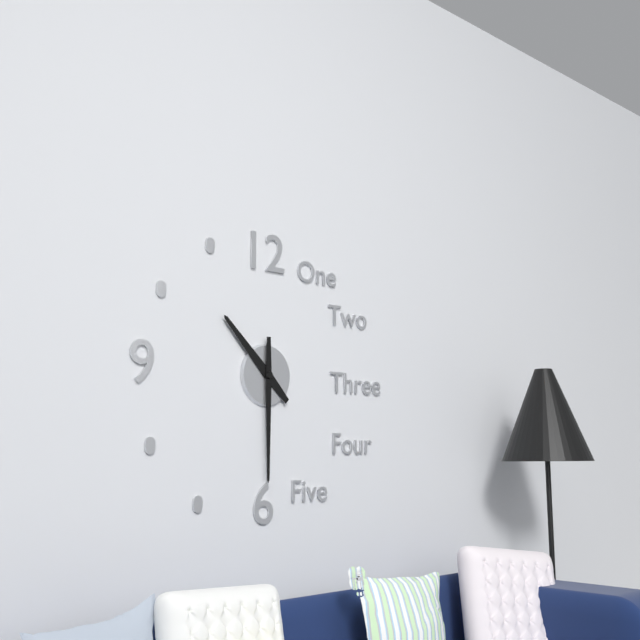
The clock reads 10.30
